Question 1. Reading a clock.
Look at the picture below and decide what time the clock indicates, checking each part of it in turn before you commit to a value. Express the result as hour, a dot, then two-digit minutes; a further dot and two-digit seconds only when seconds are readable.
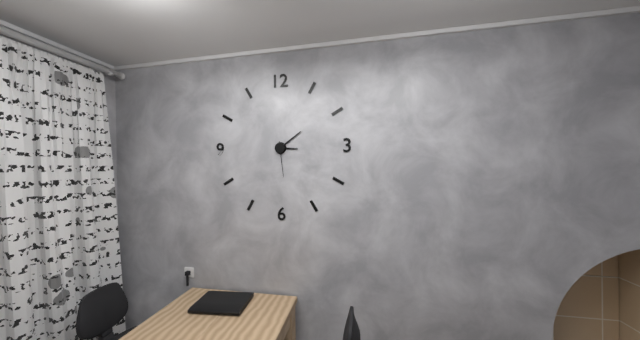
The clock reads 3.09
